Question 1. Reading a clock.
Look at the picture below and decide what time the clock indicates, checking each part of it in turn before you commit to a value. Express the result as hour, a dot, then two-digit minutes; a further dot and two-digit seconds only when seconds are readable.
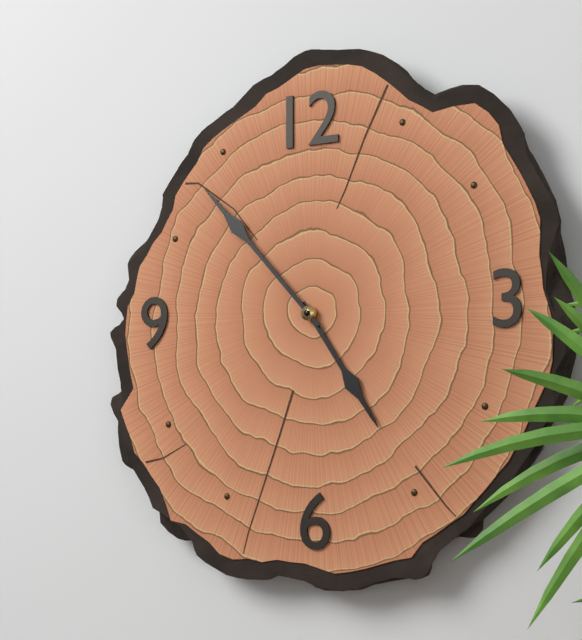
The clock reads 4.53
